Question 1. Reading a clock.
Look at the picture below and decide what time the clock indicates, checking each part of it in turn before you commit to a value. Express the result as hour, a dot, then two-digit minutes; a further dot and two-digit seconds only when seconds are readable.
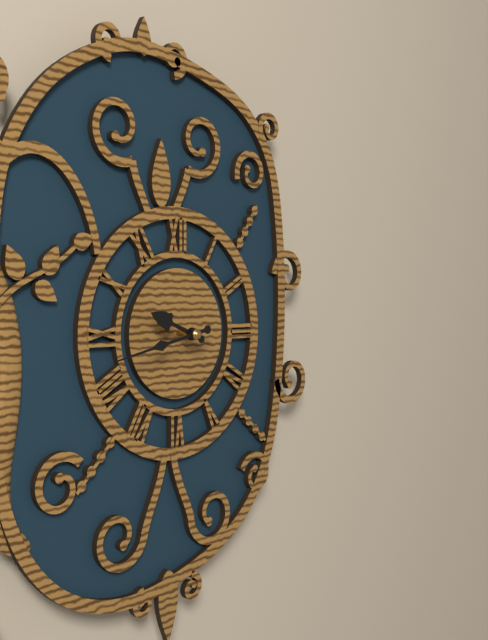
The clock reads 9.43
